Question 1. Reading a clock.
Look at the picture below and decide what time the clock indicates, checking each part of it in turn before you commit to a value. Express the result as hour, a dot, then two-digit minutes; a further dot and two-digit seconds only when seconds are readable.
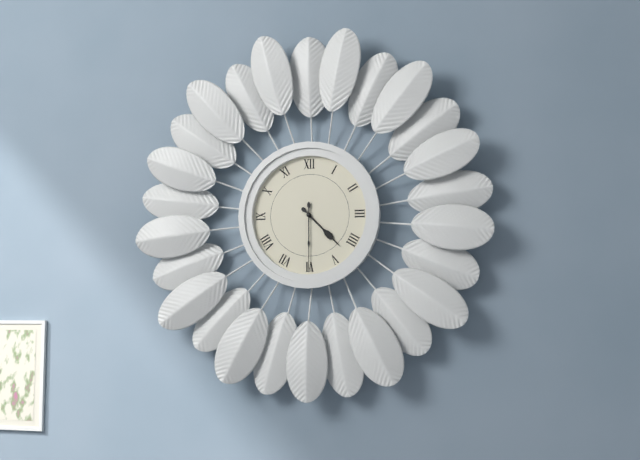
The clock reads 4.30
